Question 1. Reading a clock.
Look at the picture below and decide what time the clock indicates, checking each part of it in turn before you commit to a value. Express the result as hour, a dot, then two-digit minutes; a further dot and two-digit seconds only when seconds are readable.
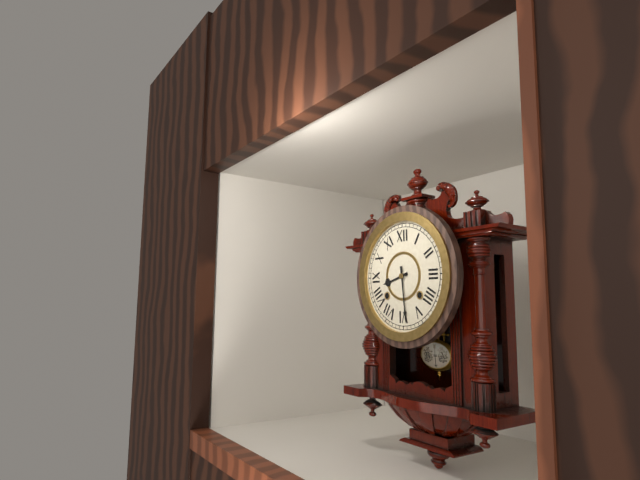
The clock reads 8.29
